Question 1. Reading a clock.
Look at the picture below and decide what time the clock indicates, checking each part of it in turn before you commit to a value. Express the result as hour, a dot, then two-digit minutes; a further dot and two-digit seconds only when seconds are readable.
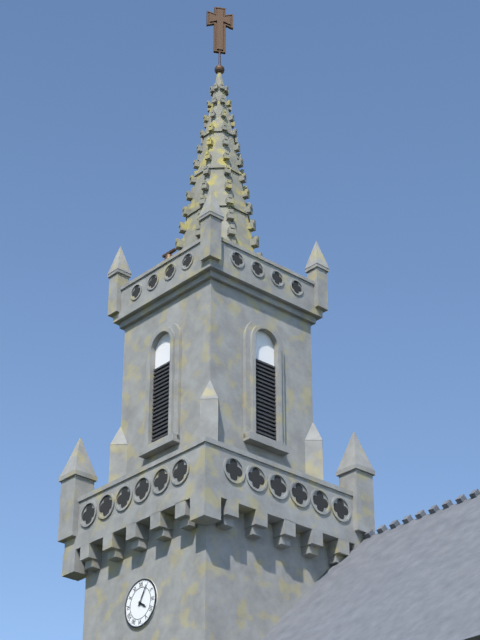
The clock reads 4.05
